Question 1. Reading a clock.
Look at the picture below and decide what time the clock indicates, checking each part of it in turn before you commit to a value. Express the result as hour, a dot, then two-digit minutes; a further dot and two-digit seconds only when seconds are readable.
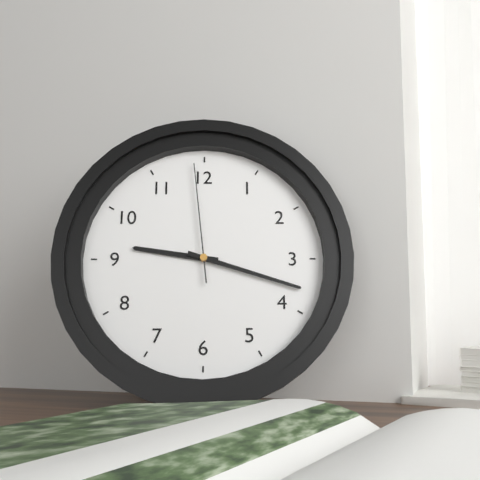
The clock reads 9.18.59
